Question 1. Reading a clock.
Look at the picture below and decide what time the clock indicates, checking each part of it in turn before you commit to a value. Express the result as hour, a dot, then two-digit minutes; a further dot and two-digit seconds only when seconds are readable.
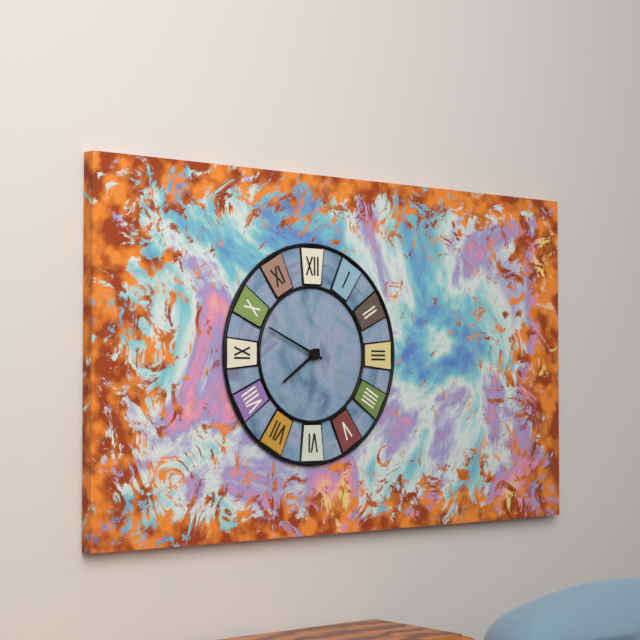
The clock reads 7.49
